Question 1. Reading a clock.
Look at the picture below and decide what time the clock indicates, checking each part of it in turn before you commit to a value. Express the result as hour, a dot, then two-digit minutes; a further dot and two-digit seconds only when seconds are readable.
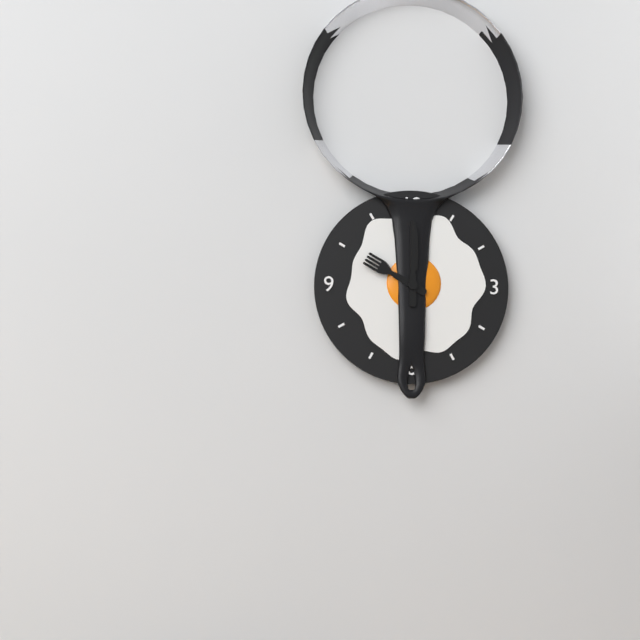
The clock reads 10.00
